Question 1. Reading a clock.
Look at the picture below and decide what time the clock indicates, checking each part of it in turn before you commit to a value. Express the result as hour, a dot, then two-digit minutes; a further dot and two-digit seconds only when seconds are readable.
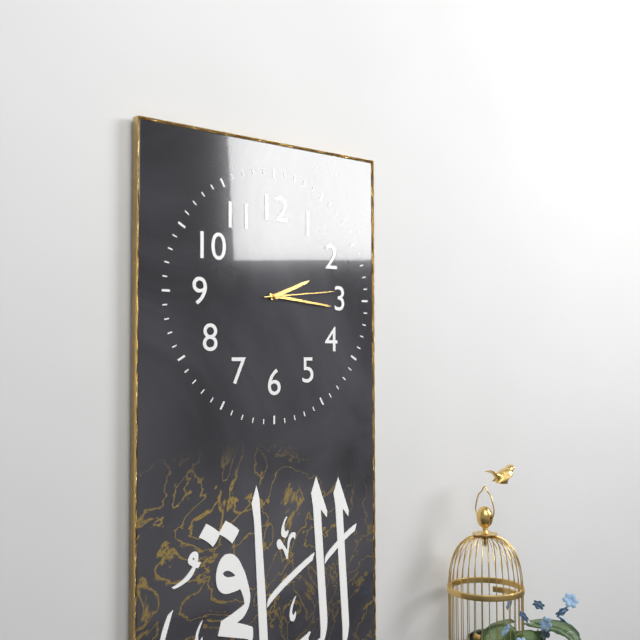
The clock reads 2.16.14
